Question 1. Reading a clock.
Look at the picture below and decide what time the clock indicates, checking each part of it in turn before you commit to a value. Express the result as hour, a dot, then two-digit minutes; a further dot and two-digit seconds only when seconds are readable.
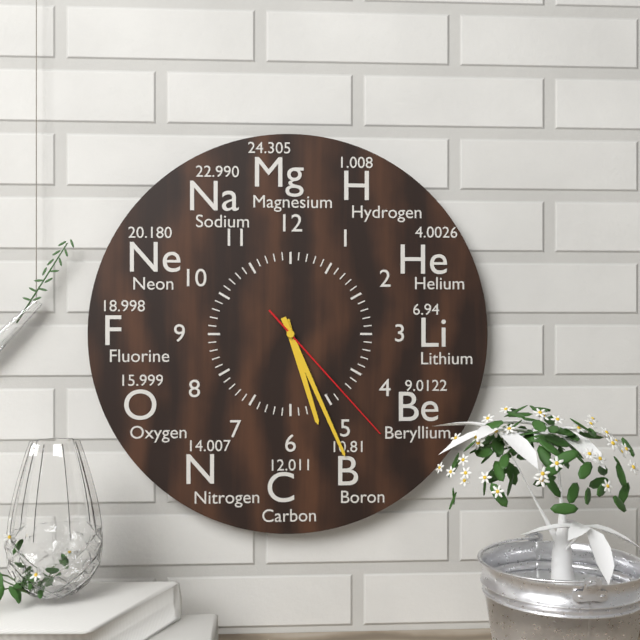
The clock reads 5.26.23
